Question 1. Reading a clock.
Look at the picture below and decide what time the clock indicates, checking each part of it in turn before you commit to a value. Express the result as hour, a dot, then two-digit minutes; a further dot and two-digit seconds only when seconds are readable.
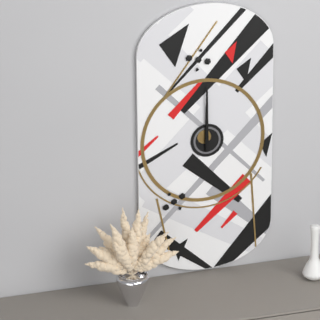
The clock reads 12.00
